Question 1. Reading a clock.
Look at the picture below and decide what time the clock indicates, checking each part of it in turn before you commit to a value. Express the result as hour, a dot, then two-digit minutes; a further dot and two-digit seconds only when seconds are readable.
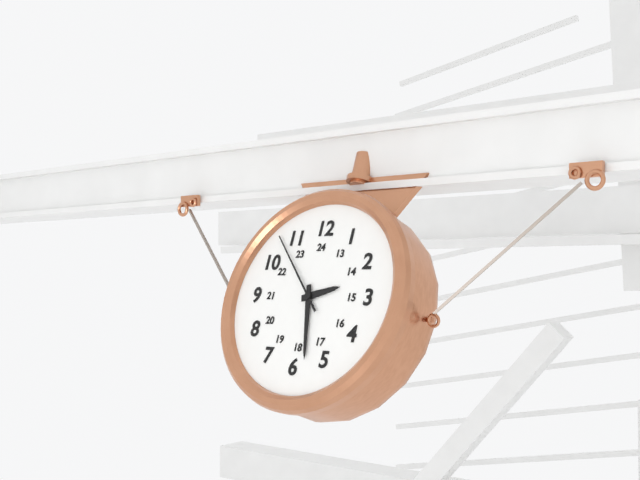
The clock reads 2.28.53
